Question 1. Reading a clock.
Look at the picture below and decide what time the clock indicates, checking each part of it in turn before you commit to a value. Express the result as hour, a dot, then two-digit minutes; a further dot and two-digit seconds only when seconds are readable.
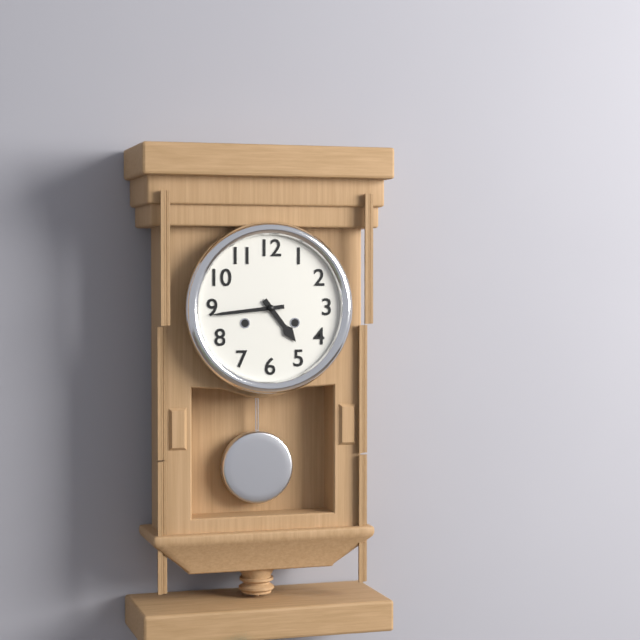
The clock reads 4.44
